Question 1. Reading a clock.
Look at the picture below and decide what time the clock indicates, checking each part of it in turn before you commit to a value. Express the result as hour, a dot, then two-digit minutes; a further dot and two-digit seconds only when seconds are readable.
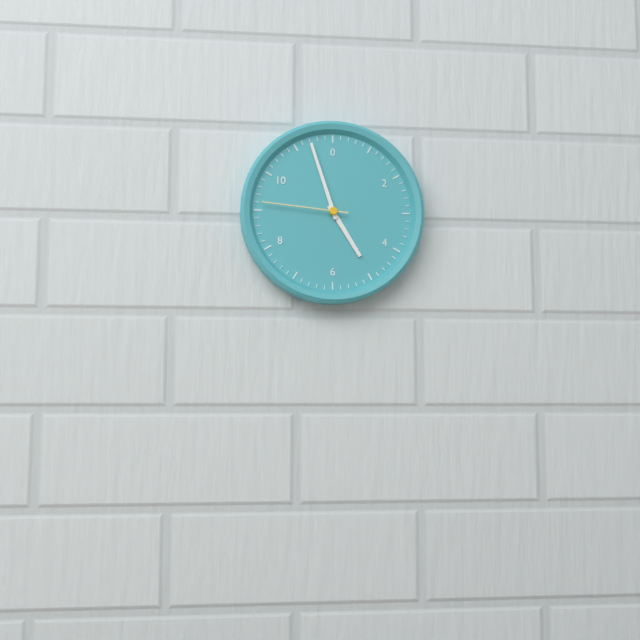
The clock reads 4.57.46
